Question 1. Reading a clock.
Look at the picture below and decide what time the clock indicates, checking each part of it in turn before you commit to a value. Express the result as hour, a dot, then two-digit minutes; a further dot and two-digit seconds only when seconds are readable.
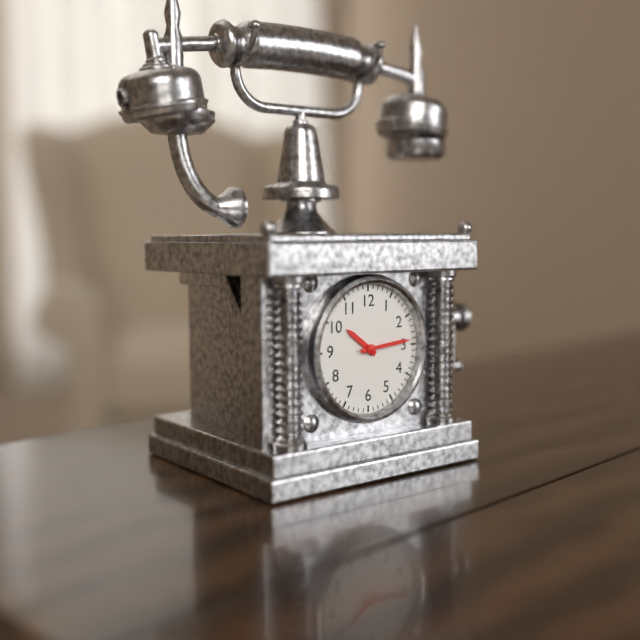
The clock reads 10.14
